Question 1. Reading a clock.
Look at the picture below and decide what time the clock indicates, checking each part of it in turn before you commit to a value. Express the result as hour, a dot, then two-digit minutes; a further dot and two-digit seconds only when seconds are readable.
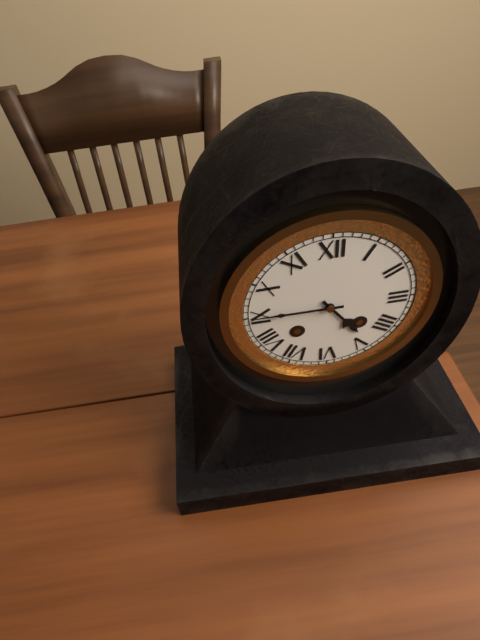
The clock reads 4.45
